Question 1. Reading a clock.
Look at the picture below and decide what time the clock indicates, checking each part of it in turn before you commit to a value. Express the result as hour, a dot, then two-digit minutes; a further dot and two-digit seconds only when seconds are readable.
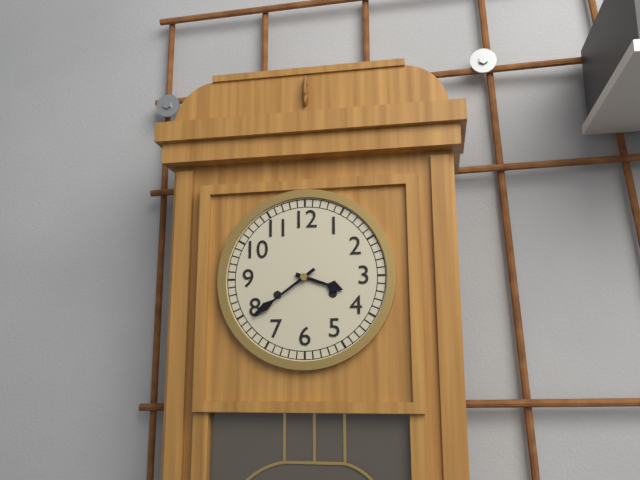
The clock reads 3.39
